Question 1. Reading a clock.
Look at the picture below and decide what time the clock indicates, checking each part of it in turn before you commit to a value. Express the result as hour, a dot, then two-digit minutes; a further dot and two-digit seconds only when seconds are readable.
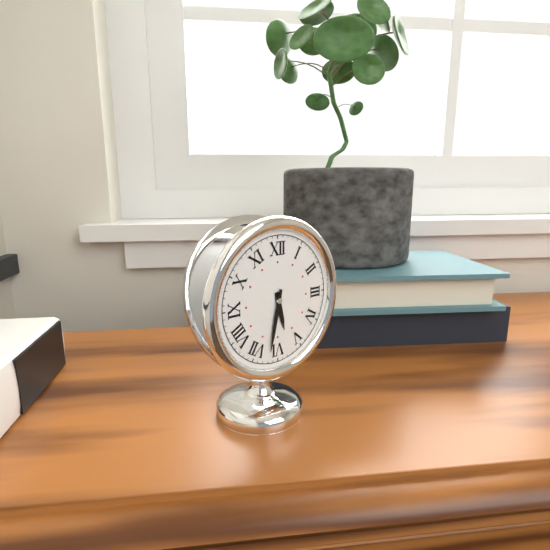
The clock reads 5.32
